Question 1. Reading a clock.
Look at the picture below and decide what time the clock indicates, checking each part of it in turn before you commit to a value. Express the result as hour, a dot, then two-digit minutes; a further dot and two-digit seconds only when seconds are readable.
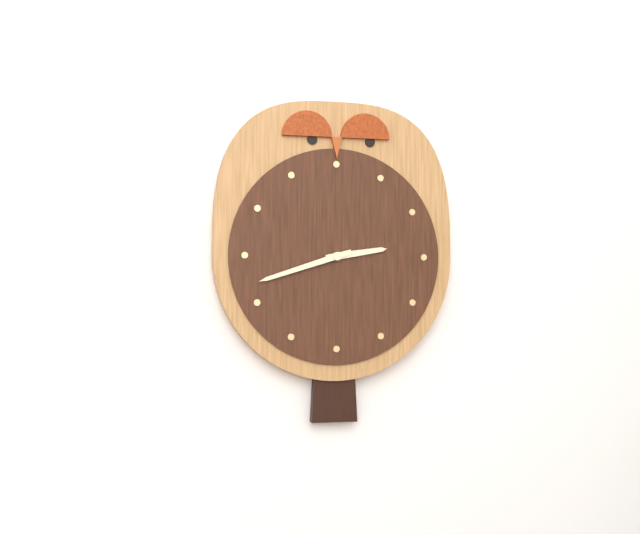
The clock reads 2.42
